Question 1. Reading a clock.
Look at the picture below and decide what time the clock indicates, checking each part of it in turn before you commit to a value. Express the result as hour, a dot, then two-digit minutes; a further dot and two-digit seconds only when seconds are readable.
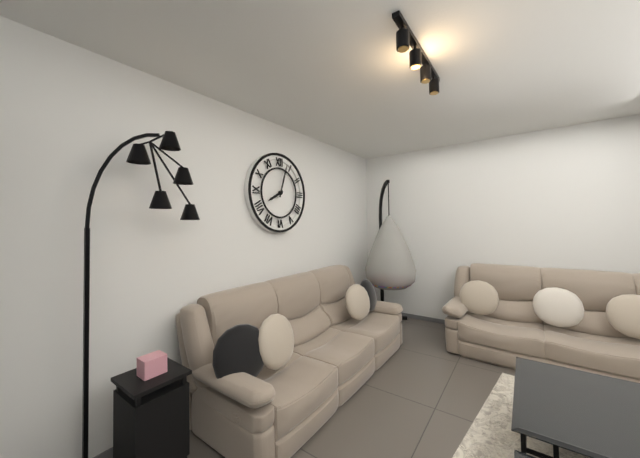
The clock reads 8.03
